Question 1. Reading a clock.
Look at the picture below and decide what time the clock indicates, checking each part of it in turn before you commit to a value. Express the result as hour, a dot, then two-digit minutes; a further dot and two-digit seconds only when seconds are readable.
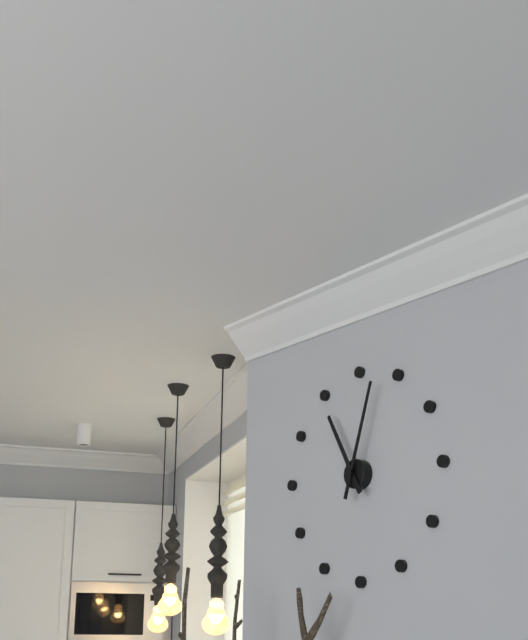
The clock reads 11.03
